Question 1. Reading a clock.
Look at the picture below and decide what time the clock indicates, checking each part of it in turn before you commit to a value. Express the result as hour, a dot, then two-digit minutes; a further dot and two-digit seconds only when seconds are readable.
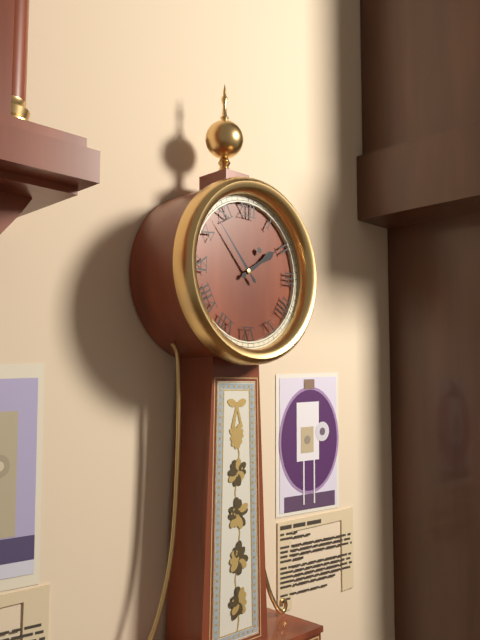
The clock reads 1.53
